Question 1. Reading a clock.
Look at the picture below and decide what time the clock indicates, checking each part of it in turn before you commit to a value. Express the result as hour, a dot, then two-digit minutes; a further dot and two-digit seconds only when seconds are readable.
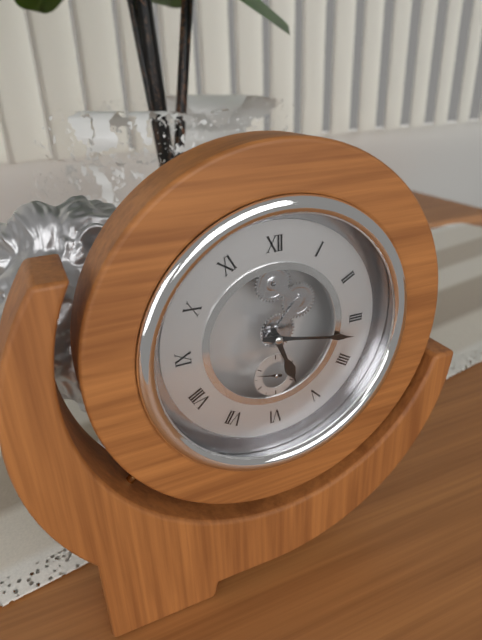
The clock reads 5.17
